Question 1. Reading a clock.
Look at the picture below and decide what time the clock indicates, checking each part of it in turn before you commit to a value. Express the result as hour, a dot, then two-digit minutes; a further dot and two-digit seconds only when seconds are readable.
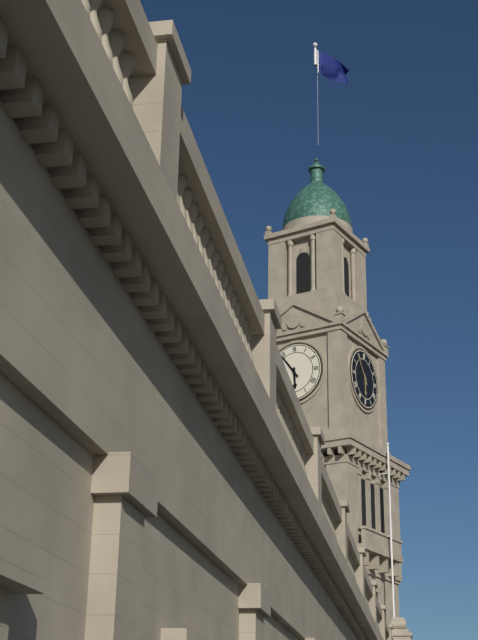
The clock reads 5.54
